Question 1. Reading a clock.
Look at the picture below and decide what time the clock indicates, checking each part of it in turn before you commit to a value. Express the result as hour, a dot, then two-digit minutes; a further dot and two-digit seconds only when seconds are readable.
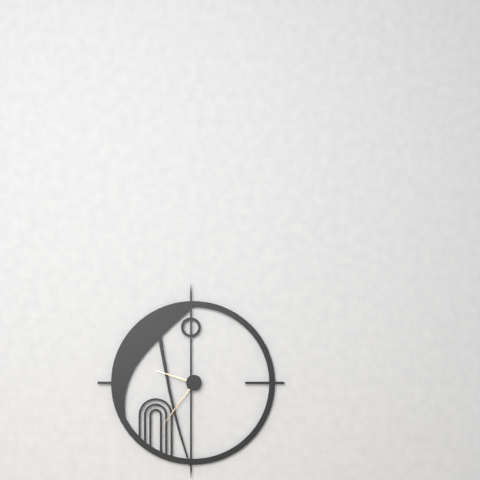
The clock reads 9.36
